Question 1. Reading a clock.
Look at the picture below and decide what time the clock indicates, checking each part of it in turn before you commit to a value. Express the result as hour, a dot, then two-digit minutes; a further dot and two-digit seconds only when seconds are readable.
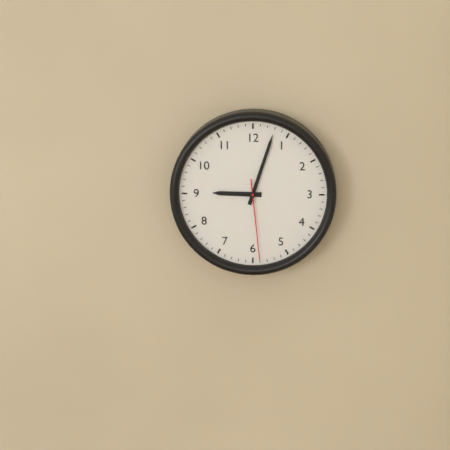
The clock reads 9.03.29
